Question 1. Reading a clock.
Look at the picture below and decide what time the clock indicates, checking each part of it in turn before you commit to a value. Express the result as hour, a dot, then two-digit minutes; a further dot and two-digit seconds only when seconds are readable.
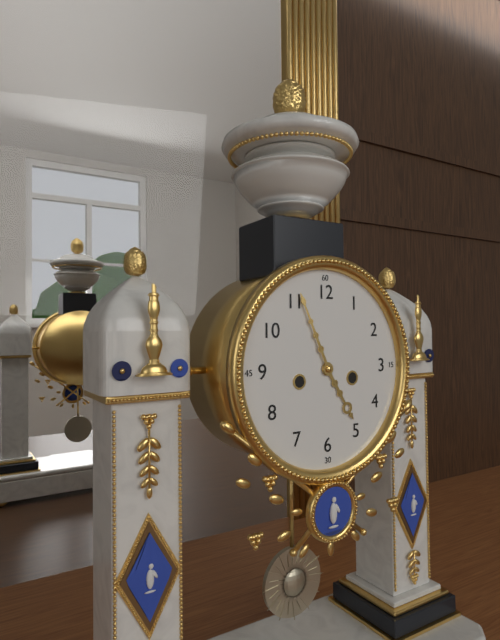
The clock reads 4.56
